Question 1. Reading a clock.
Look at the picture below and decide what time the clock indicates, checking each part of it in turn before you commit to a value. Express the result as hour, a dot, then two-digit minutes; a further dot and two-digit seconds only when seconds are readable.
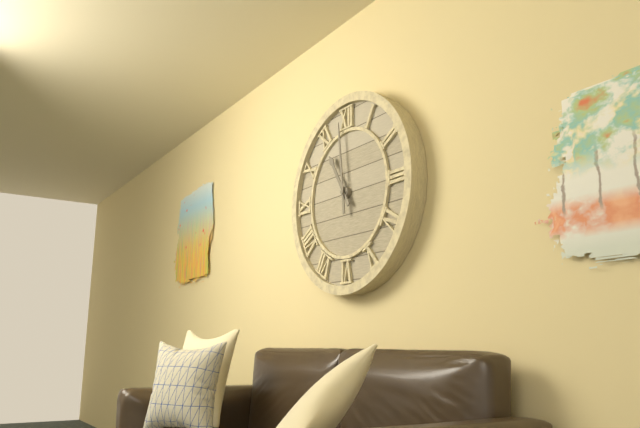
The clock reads 10.59
